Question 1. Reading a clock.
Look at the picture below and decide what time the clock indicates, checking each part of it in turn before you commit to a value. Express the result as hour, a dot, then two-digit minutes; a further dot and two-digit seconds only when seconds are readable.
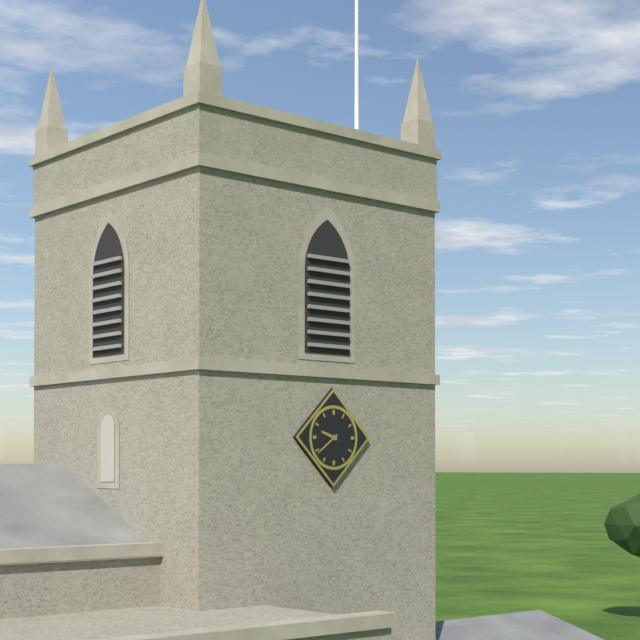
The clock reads 9.39
